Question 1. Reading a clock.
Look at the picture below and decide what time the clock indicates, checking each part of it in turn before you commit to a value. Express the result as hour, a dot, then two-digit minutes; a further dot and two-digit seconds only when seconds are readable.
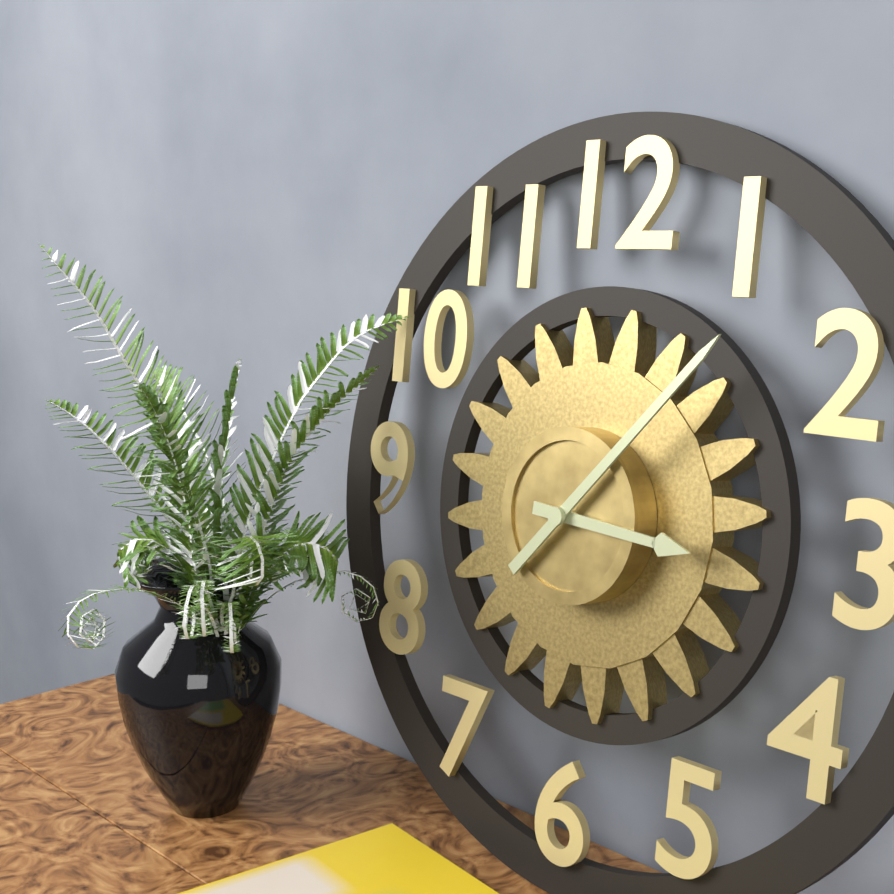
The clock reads 3.07
